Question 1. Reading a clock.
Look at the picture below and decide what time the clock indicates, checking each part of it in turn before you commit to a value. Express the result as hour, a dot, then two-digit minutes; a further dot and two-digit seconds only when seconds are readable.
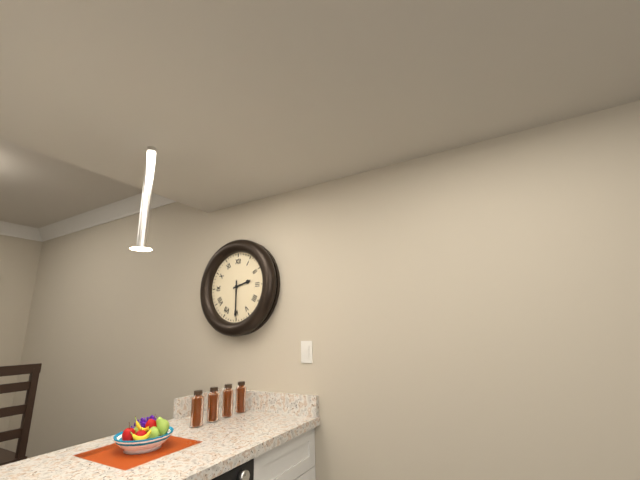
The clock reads 2.30
